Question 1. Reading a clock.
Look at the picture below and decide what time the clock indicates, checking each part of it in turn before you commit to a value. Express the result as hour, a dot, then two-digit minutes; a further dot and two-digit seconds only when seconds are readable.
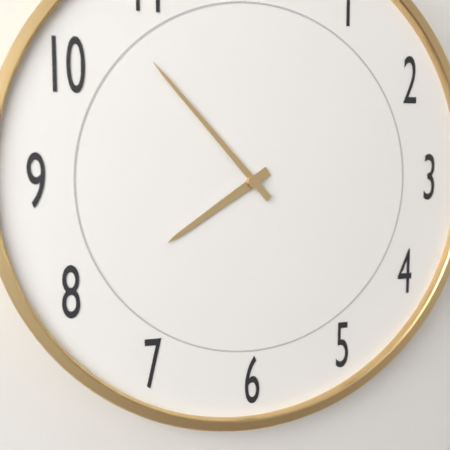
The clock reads 7.53
